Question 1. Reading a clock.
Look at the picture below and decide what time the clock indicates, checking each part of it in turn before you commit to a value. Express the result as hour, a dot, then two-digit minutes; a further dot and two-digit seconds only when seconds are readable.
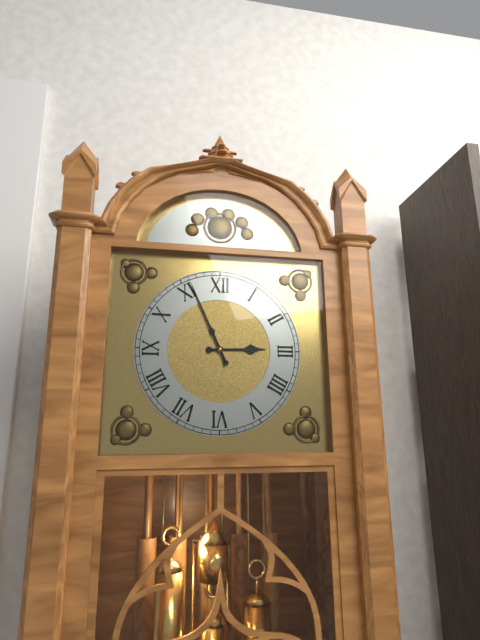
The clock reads 2.56
